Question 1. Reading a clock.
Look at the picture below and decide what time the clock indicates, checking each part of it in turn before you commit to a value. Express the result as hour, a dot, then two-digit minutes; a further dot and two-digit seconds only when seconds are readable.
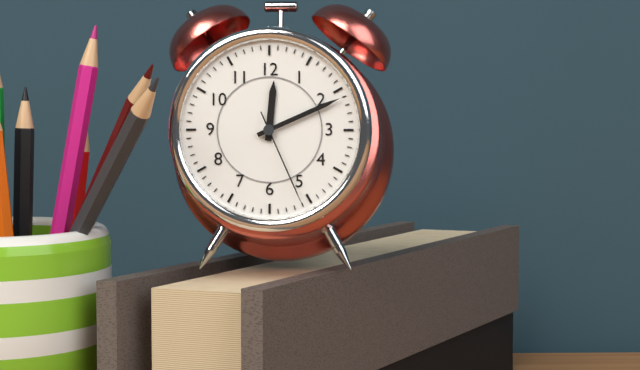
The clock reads 12.11.26
